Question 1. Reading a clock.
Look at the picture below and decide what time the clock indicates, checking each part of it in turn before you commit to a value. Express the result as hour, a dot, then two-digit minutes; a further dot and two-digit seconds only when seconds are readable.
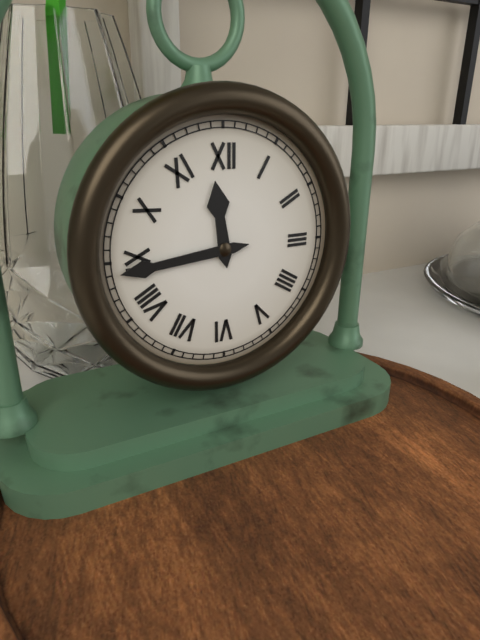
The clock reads 11.44
